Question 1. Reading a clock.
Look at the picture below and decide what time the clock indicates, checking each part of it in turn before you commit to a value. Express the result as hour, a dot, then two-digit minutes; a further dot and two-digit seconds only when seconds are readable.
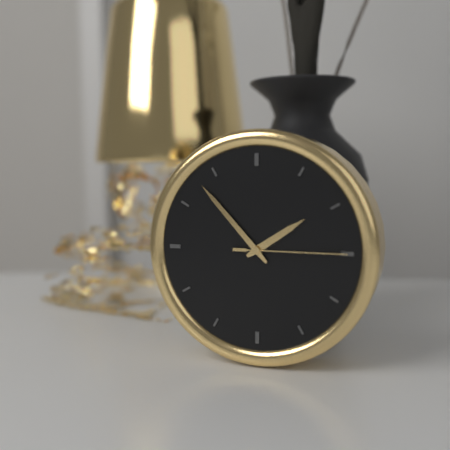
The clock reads 1.53.15
